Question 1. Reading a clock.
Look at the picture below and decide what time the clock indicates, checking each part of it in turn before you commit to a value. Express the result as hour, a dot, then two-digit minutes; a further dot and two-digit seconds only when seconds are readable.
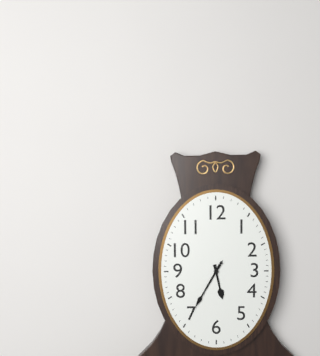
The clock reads 5.35.35
